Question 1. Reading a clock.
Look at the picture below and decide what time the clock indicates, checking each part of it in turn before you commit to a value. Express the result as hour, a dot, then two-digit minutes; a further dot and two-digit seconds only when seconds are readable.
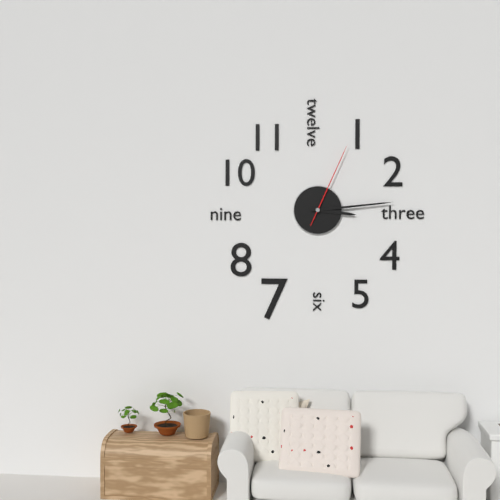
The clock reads 3.14.04
